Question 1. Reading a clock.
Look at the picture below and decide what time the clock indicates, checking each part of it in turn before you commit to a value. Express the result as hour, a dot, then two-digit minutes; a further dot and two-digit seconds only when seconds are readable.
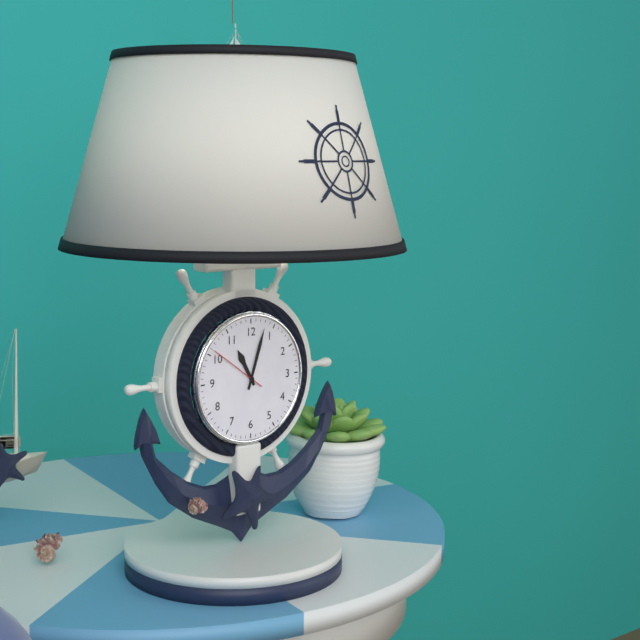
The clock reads 11.03.51
